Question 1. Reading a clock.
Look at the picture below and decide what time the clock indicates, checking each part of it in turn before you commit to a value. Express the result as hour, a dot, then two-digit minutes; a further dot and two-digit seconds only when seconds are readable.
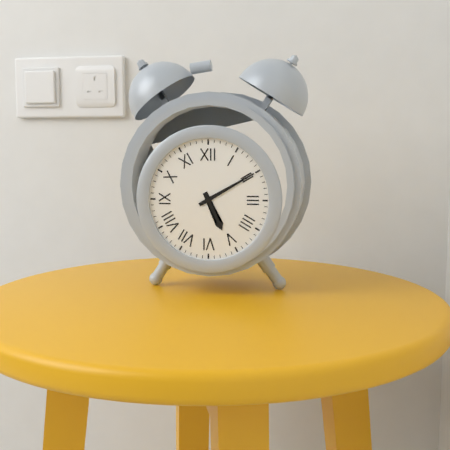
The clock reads 5.10
